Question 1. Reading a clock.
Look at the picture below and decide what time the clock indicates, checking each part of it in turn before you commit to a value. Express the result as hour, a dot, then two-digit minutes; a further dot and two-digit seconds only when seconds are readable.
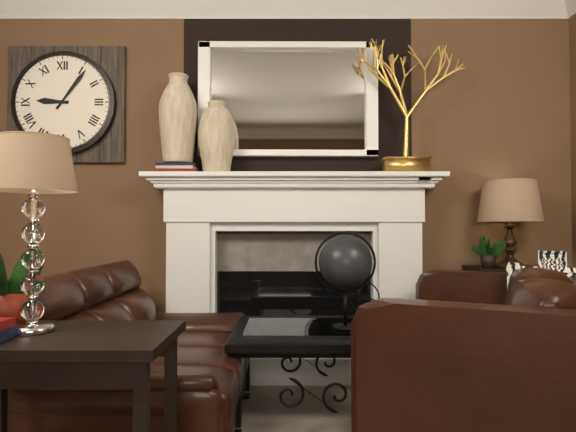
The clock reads 9.06
